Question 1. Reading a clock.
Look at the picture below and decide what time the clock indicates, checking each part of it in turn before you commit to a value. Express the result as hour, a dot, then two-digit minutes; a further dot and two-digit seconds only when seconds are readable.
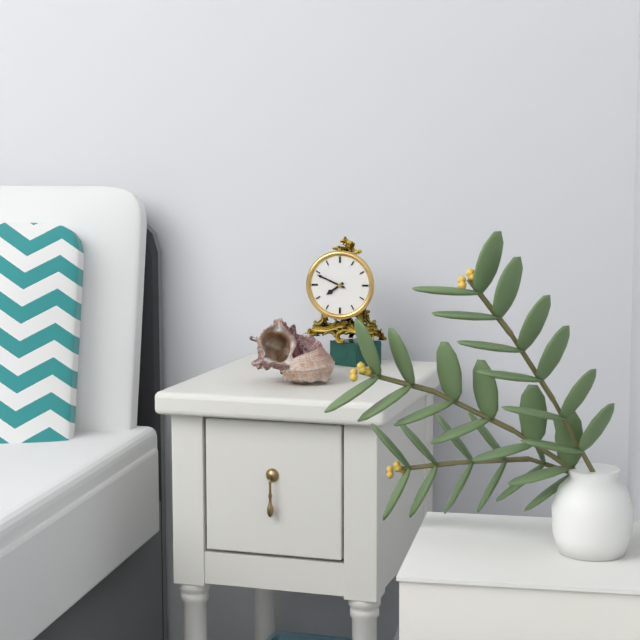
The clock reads 7.49
